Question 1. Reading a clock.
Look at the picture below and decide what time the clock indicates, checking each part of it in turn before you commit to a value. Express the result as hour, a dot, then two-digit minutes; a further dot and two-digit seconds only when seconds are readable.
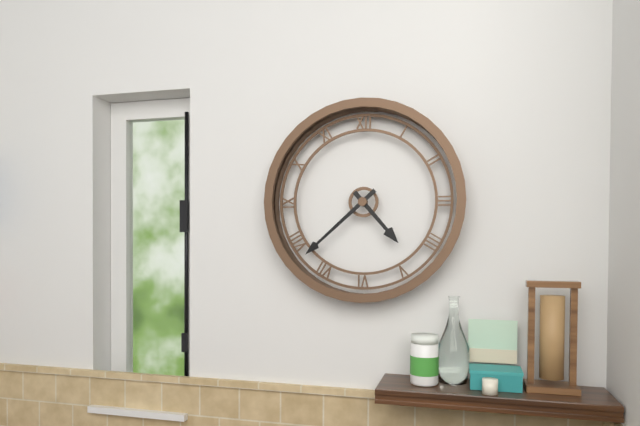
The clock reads 4.38
